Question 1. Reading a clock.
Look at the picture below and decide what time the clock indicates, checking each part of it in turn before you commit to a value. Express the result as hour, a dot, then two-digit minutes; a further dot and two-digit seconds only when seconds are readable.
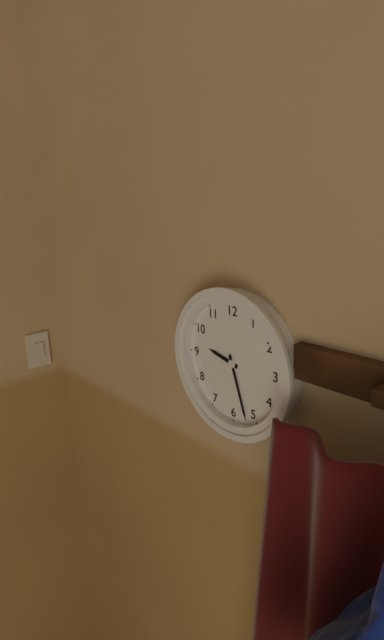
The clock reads 9.27
